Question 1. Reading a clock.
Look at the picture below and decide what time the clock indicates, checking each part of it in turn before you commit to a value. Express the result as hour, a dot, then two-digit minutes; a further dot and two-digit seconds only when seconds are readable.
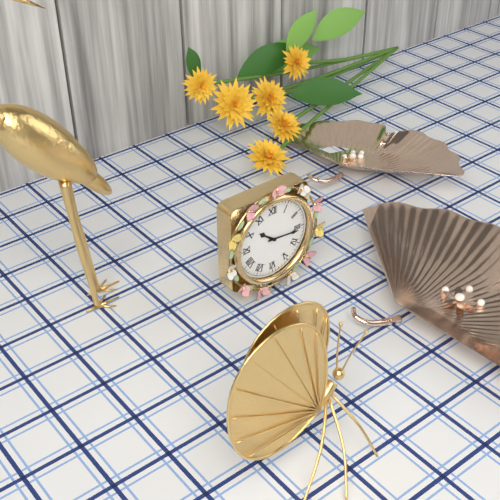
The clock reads 10.16
